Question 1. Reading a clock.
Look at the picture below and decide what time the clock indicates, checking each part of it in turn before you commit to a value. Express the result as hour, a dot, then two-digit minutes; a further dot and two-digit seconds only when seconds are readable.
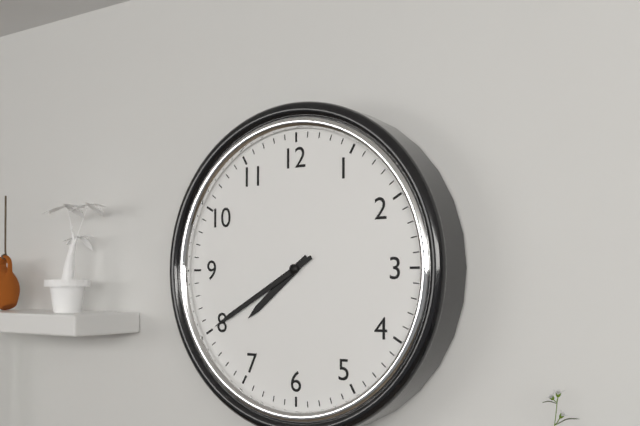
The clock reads 7.40
